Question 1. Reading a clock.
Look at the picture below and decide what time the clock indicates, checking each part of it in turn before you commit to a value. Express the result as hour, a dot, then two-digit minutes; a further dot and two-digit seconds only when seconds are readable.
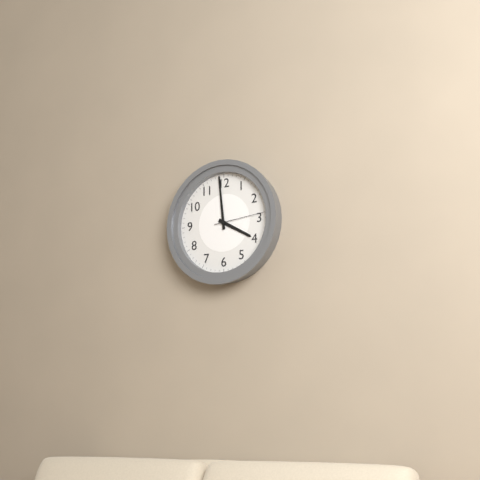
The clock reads 3.59.14
